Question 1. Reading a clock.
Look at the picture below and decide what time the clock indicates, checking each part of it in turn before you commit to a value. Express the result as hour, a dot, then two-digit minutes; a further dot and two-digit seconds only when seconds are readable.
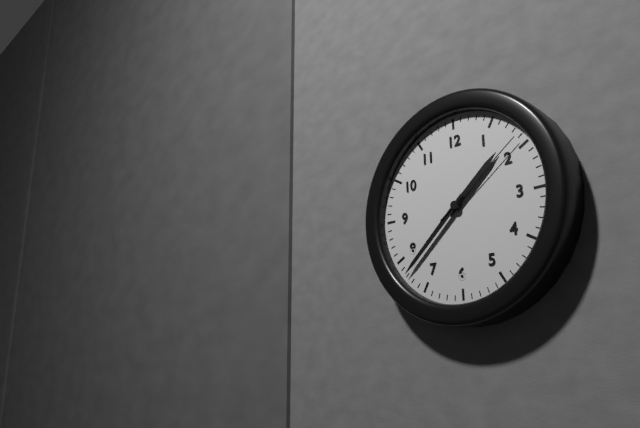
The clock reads 1.38.09
